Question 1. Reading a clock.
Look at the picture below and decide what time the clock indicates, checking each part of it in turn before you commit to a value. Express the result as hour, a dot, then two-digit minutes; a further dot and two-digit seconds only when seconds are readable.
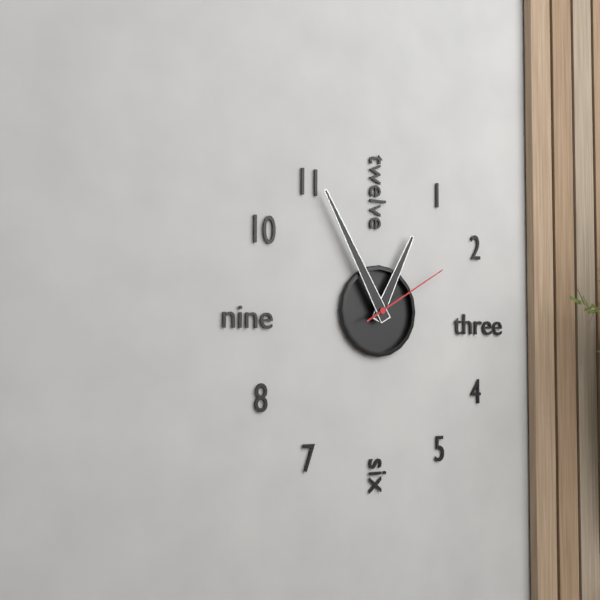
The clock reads 12.55.10
